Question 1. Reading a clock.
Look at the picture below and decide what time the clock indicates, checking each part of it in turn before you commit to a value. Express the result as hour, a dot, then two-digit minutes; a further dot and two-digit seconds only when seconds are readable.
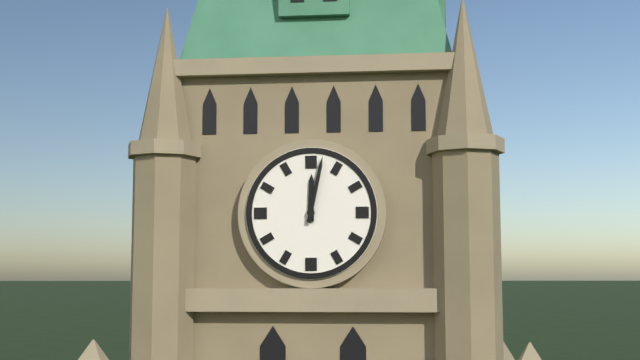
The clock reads 12.02
